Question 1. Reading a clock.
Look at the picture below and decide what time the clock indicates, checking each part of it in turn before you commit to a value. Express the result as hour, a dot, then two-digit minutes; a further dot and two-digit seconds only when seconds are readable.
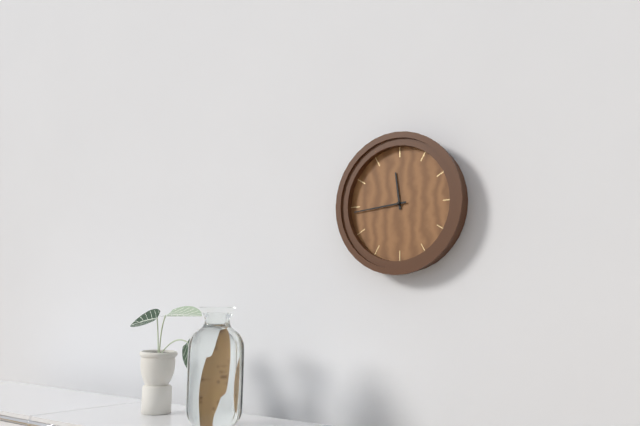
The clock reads 11.44
